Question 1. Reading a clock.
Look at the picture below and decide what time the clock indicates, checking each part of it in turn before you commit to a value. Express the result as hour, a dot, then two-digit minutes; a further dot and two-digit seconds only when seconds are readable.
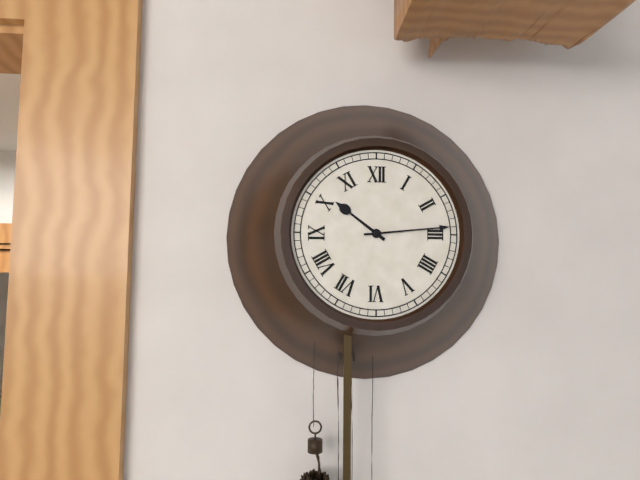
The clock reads 10.14
